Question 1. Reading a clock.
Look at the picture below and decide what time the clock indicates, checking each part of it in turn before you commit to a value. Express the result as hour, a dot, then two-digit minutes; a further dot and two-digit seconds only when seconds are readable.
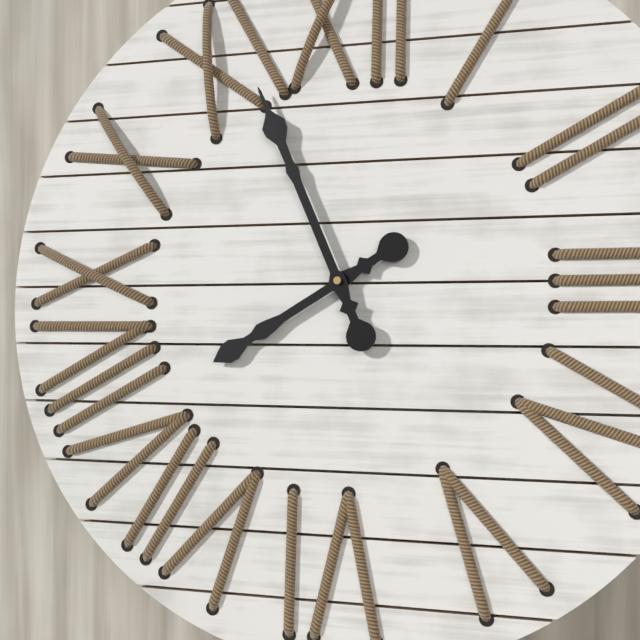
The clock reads 7.56
